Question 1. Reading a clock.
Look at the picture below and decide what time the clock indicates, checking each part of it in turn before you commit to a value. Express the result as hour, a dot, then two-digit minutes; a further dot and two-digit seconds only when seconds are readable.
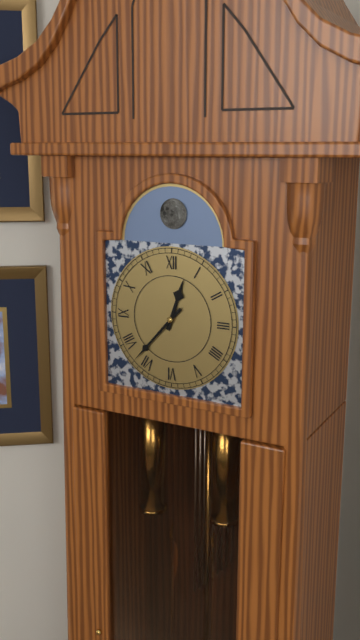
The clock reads 12.37
